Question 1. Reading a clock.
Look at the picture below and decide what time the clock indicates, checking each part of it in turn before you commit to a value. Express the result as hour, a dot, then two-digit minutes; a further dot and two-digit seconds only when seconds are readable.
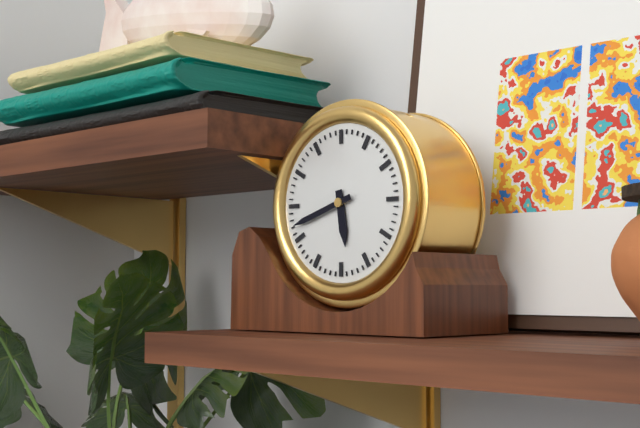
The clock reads 5.42
